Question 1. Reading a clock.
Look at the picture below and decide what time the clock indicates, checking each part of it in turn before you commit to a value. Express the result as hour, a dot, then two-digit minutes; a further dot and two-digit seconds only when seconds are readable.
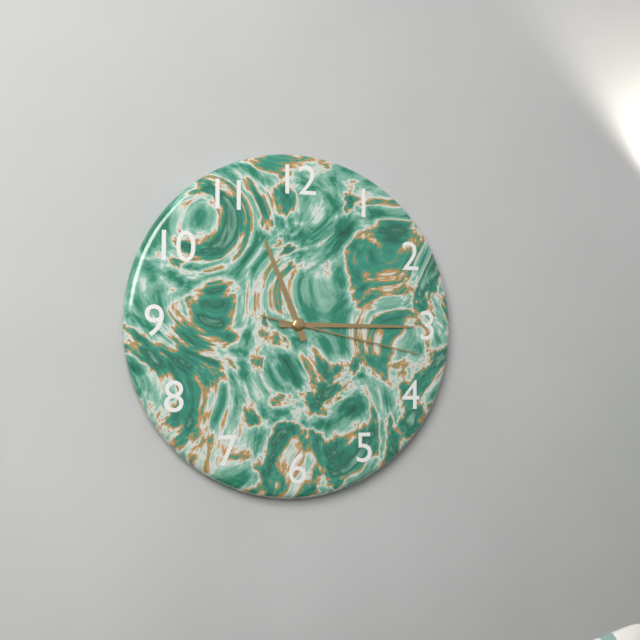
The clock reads 11.15.17
